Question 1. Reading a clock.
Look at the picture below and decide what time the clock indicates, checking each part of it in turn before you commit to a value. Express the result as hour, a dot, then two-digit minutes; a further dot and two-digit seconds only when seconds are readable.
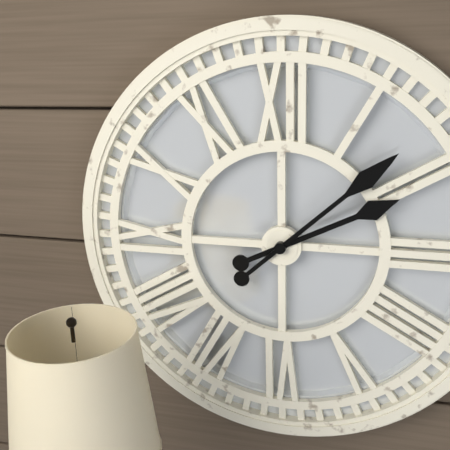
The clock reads 2.08
